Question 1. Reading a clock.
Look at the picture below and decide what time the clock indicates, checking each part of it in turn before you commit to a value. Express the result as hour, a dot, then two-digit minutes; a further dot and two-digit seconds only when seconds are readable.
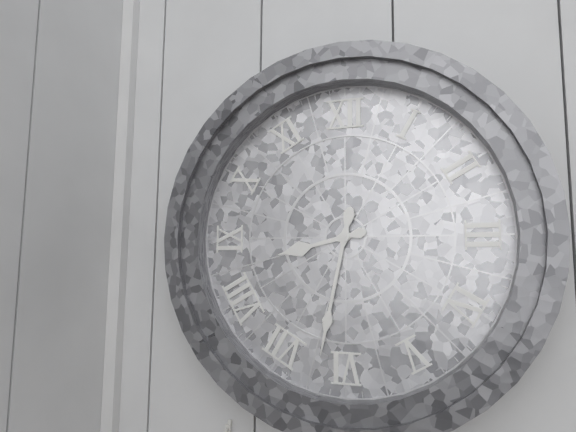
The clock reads 8.32
